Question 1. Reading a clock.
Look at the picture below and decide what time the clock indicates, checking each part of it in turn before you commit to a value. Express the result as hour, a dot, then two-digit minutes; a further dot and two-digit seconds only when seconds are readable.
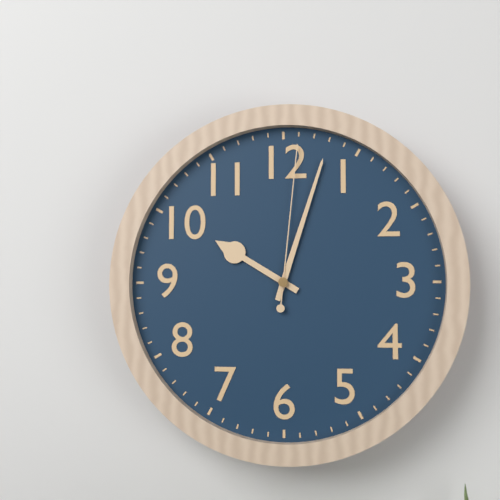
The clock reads 10.03.01
